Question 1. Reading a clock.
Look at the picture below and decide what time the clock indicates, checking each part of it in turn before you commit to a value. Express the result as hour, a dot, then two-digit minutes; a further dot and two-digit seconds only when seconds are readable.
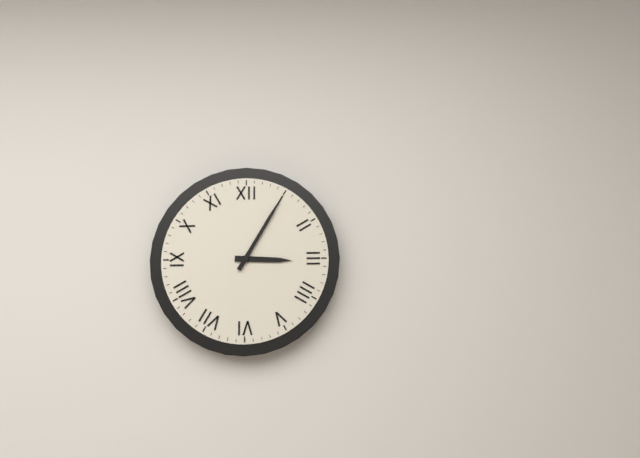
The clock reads 3.05
